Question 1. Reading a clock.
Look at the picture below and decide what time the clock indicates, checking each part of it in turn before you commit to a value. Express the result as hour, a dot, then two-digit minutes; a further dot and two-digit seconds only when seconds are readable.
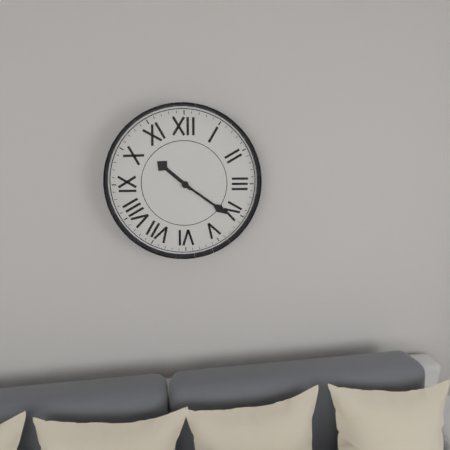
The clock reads 10.21
